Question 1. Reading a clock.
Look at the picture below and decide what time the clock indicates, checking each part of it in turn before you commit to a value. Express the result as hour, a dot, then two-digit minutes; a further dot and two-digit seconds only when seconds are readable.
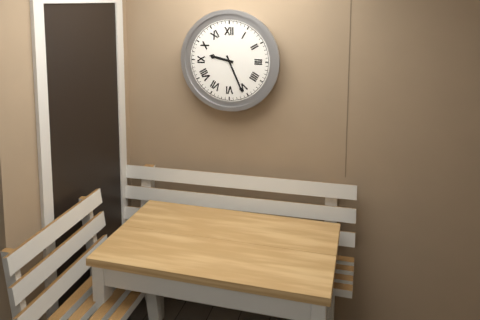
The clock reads 9.26
